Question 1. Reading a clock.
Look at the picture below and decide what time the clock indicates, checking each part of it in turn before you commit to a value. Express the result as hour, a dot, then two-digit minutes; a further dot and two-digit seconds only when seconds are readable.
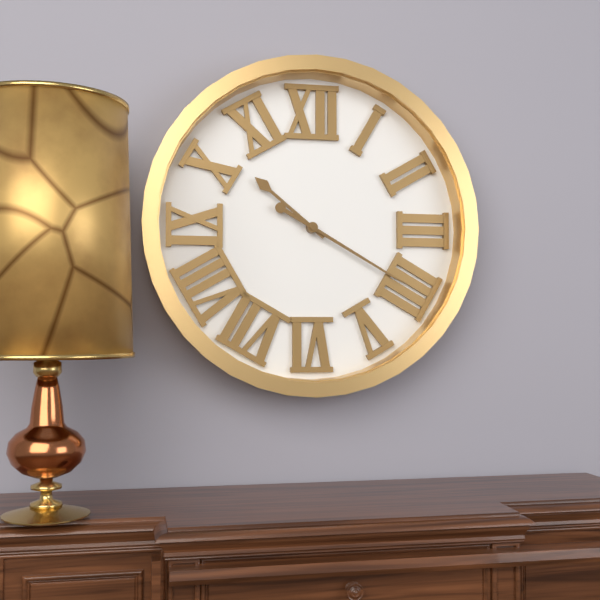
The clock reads 10.20
